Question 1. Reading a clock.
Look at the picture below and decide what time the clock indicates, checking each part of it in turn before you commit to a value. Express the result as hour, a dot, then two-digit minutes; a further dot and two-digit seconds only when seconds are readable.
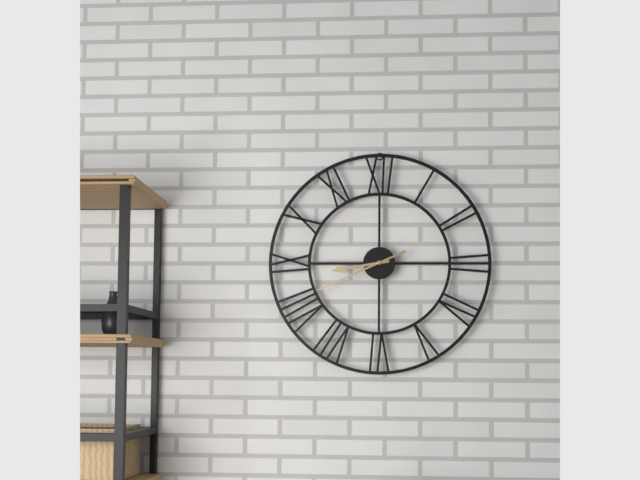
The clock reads 8.41
